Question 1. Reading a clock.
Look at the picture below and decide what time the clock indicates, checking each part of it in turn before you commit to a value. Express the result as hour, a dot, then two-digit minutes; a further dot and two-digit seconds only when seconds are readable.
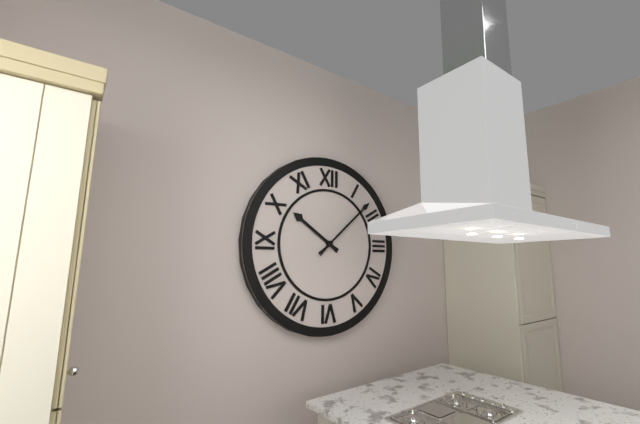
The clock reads 10.08
